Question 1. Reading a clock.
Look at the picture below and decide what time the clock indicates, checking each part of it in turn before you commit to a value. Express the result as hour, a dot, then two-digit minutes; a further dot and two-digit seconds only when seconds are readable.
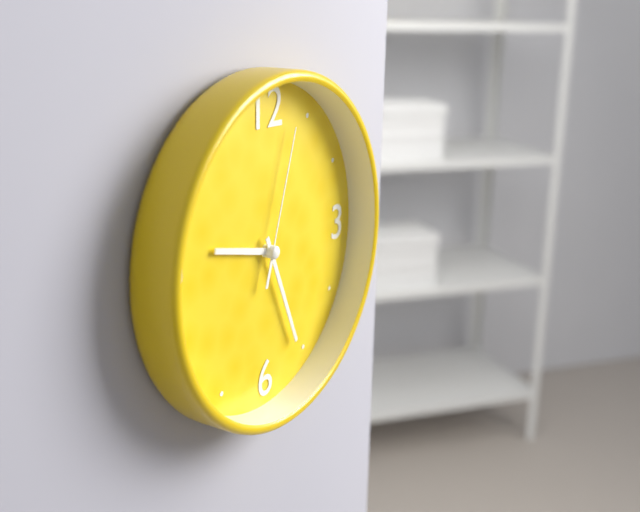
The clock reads 9.26.03
